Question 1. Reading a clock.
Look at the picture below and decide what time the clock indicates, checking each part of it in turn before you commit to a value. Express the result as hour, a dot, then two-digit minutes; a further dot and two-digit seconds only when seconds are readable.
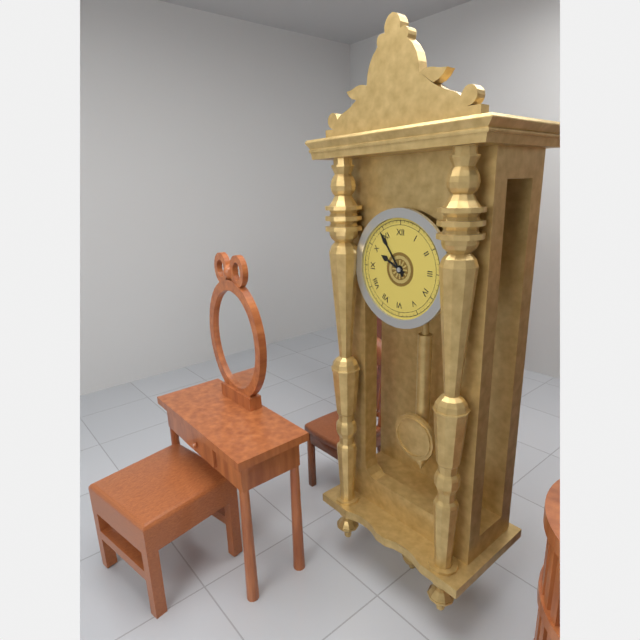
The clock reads 9.54
